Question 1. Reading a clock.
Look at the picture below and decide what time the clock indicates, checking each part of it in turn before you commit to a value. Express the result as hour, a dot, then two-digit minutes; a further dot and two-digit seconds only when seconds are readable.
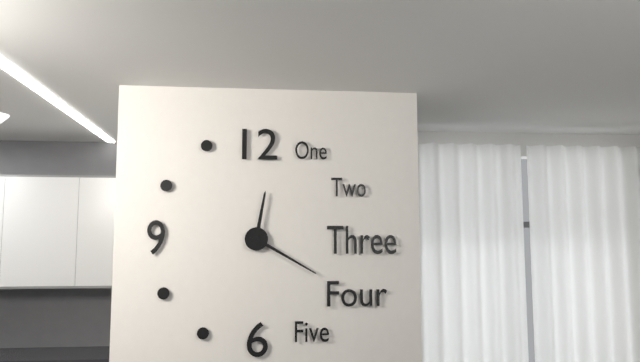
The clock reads 12.20
